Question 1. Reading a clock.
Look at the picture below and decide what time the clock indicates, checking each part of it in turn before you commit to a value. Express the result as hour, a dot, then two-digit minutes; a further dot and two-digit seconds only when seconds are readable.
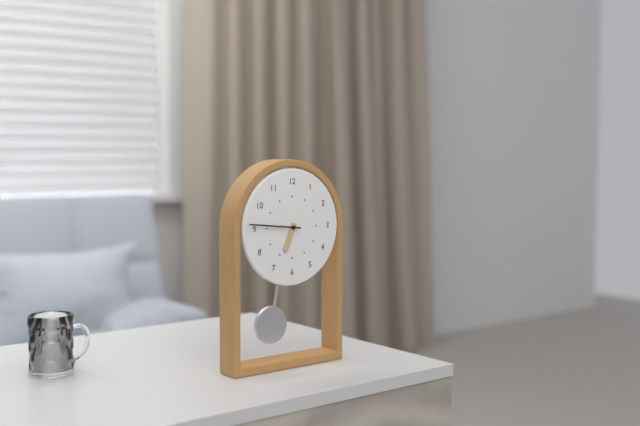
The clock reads 6.46
